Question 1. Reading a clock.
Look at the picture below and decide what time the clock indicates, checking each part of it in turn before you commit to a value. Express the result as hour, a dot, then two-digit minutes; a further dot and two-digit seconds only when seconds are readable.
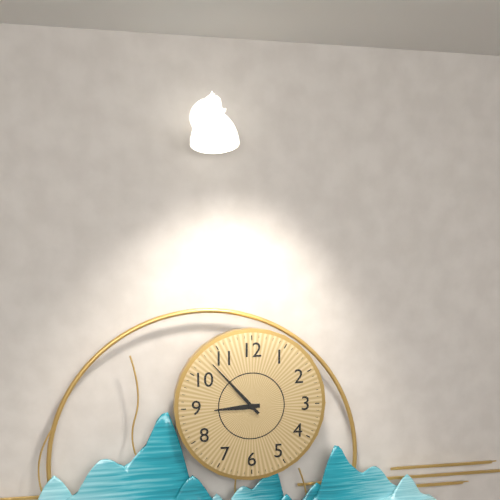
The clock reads 8.53
